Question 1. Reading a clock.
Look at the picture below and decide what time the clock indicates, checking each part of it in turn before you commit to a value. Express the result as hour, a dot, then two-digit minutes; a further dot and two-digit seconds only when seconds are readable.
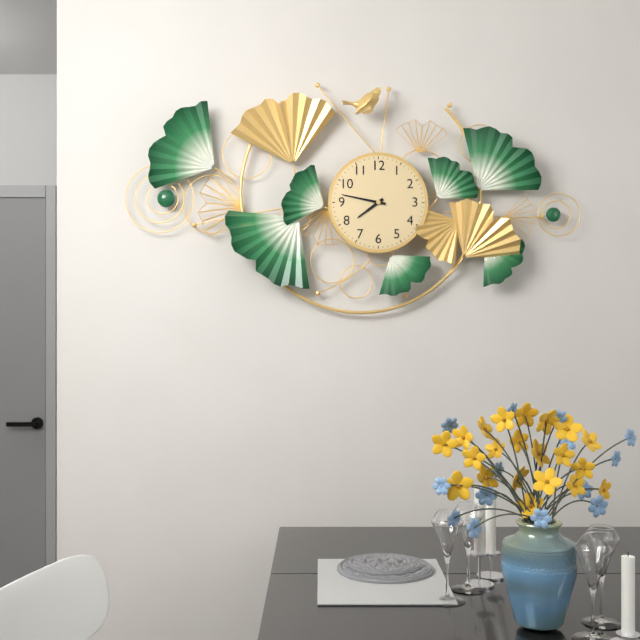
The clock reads 7.47
